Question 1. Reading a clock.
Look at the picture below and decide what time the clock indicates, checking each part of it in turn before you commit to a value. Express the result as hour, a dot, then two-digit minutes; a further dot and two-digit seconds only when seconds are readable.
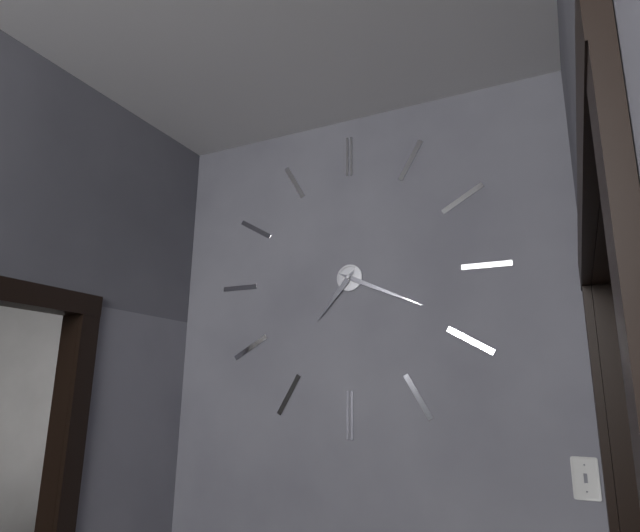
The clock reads 7.19
